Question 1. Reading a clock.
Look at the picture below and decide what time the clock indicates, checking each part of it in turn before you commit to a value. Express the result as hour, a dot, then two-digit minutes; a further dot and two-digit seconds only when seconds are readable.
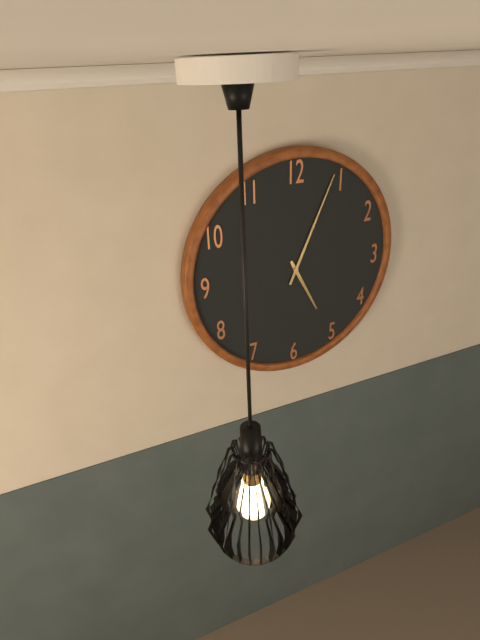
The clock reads 5.04
